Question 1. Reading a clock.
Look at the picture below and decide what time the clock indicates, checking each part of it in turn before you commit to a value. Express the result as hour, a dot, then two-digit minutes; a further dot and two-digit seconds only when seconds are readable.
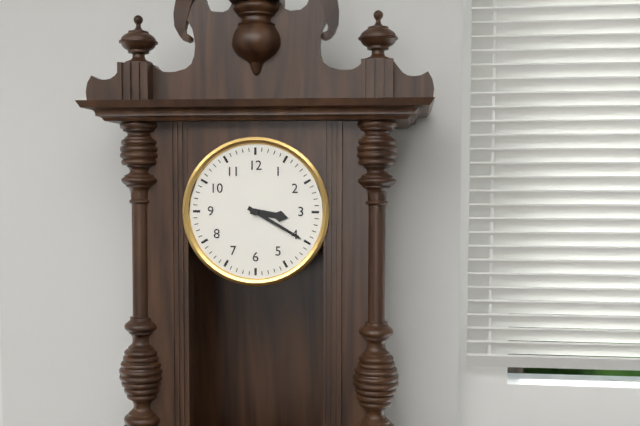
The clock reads 3.20
